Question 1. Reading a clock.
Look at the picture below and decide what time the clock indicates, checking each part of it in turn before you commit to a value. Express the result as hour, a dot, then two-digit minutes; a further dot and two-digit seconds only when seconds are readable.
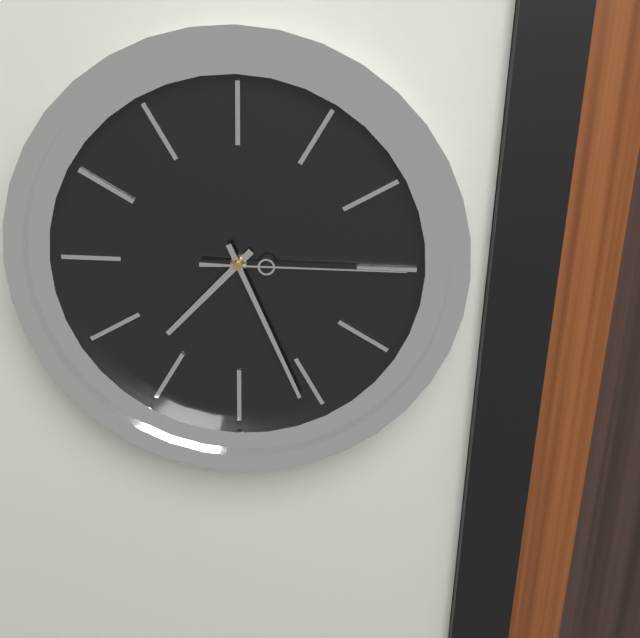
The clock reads 7.26.15
